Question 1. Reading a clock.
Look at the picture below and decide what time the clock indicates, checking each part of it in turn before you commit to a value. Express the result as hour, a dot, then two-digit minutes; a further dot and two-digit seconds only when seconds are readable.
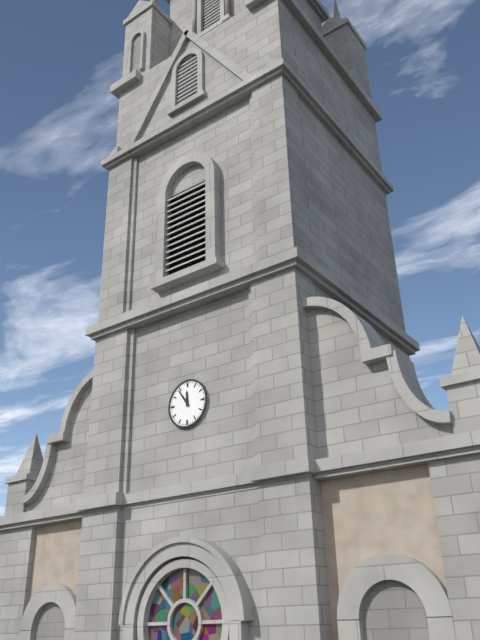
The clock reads 11.54
